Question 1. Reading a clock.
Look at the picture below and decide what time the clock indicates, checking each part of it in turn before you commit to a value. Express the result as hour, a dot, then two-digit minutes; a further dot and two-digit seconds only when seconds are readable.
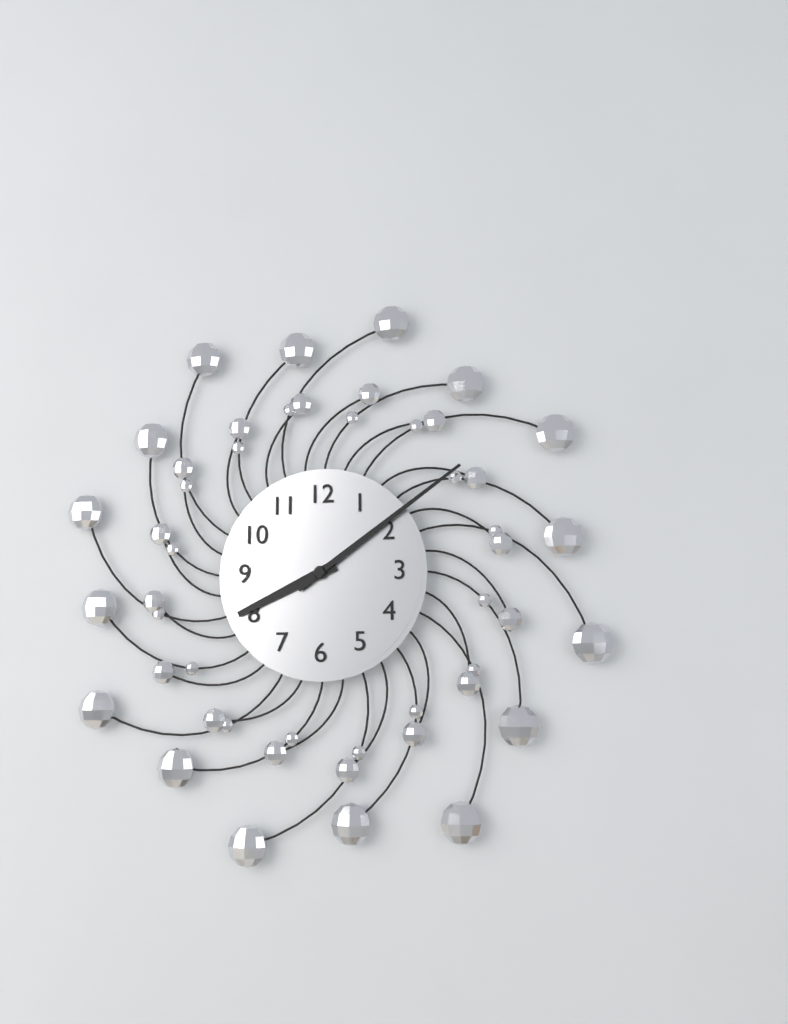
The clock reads 8.09
